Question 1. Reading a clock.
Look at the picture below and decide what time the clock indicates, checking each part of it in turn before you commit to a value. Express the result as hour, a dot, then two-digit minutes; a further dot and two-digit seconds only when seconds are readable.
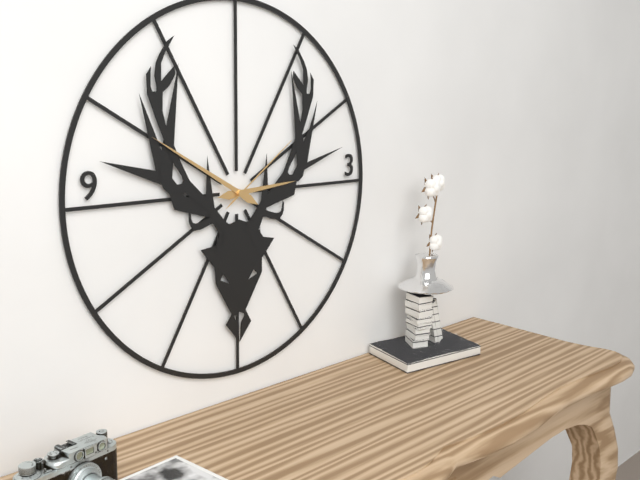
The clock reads 2.50.09
